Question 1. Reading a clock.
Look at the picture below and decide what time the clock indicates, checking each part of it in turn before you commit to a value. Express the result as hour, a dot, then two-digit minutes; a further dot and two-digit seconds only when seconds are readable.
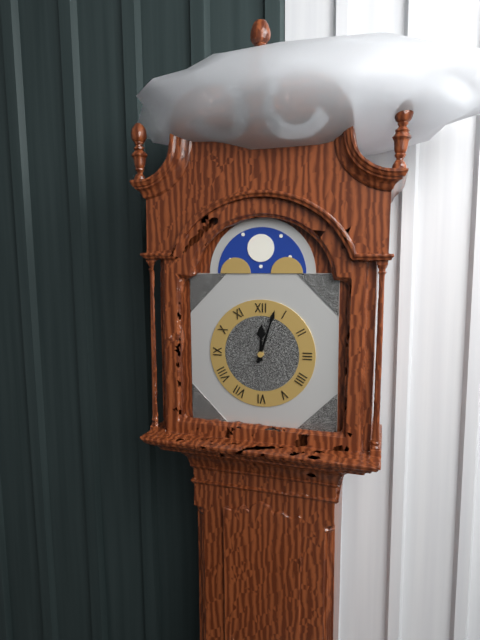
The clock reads 12.03
